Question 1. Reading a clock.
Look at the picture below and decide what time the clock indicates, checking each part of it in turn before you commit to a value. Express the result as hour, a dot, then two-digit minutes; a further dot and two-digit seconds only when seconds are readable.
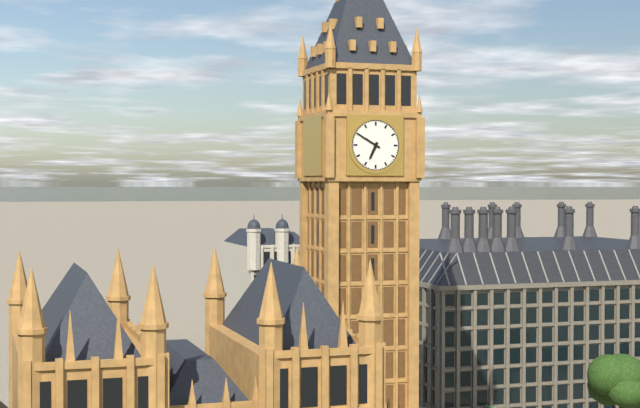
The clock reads 6.50
